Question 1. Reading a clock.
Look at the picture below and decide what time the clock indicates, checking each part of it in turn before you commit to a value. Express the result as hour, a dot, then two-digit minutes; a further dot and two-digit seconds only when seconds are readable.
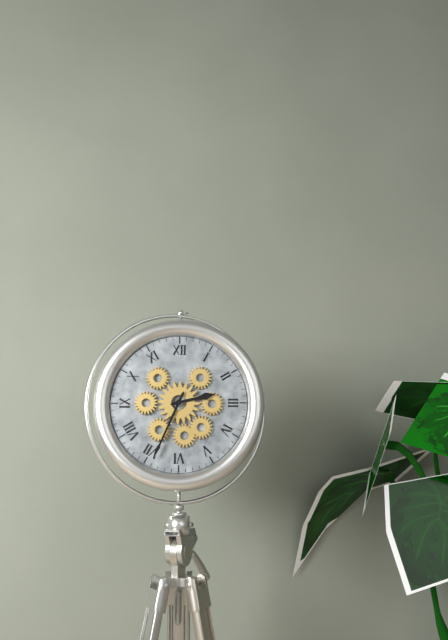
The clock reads 2.34
